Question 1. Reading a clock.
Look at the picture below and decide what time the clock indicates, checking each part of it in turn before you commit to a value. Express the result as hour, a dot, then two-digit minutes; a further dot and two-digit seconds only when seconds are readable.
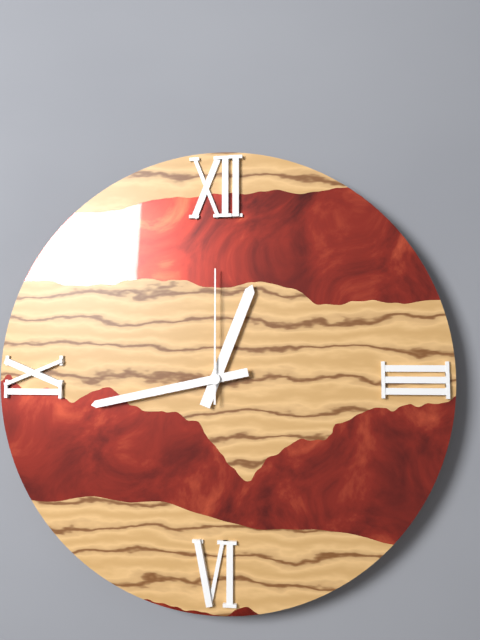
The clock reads 12.43.00
